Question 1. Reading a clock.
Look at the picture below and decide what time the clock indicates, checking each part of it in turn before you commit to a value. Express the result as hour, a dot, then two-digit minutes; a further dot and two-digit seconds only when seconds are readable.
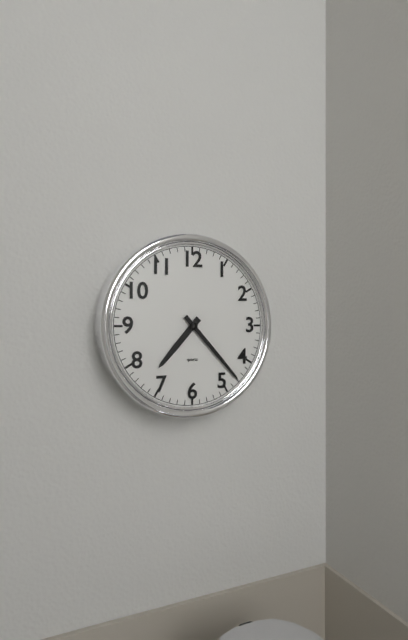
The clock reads 7.23
